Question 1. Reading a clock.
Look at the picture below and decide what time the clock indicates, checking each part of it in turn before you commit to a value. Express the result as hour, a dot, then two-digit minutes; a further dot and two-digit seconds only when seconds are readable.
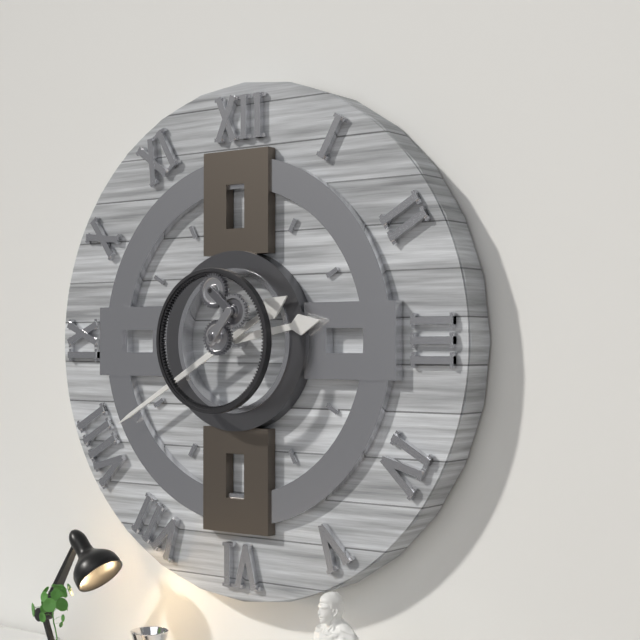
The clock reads 2.40
